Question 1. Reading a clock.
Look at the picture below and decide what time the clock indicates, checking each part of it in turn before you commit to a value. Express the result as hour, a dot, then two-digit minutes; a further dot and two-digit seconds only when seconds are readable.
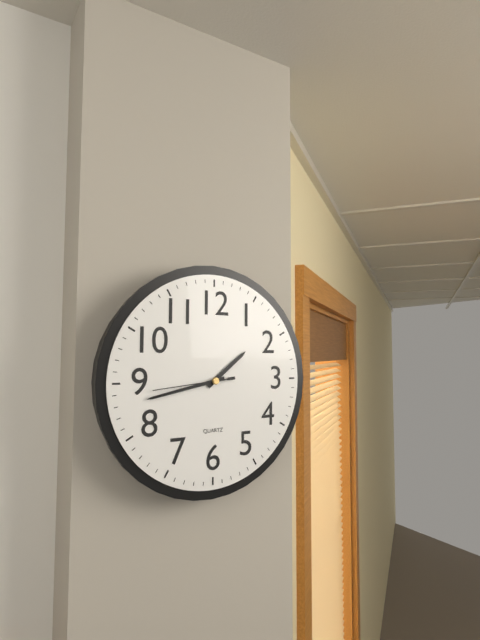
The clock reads 1.43.44
